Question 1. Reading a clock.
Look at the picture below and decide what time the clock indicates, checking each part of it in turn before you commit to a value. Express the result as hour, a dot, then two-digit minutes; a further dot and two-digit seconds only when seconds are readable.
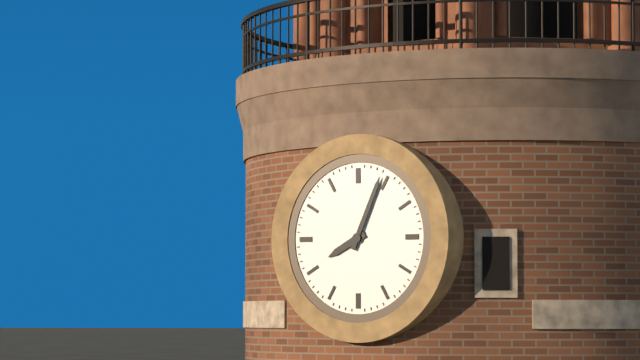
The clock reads 8.04
